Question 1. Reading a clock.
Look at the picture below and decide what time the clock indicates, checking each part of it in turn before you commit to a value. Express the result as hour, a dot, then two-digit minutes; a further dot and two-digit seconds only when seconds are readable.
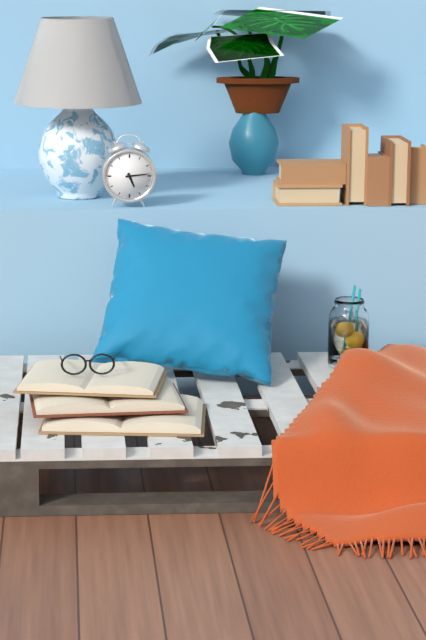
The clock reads 5.14
